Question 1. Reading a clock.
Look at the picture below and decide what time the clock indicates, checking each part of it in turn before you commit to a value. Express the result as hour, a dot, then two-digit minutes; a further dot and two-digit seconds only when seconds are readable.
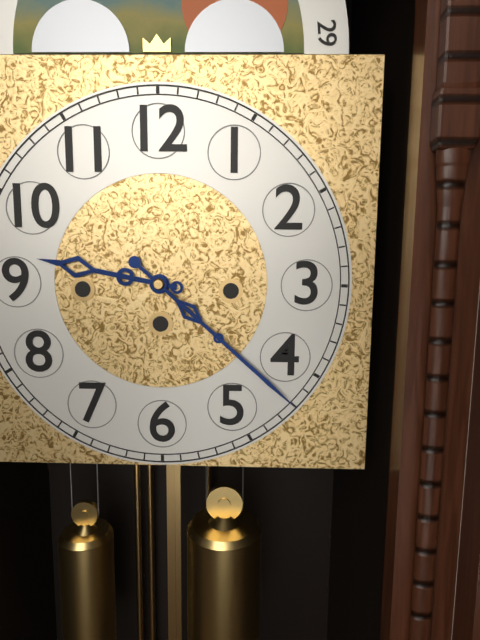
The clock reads 9.22
